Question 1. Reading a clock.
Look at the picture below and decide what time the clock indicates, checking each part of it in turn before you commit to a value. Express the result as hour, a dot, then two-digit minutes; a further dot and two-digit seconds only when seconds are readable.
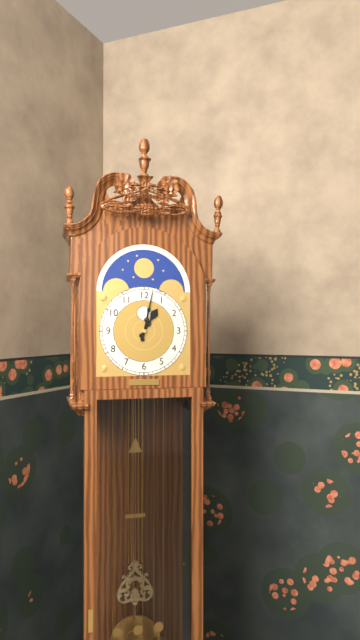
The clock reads 1.02
